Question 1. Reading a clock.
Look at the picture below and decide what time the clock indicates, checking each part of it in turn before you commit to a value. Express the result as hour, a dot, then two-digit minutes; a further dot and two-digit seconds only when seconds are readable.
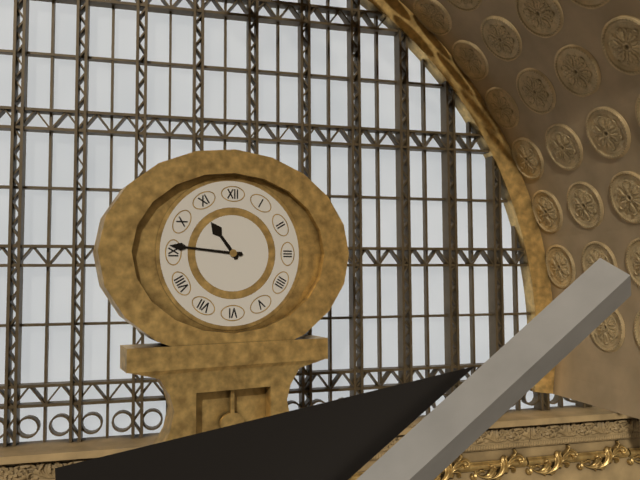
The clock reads 10.46
